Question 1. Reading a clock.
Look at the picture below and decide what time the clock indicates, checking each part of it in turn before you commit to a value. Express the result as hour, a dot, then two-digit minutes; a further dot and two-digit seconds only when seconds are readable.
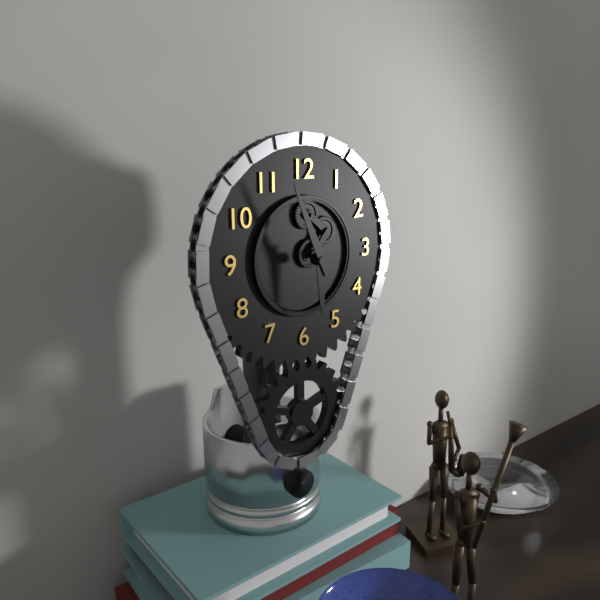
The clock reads 5.56
